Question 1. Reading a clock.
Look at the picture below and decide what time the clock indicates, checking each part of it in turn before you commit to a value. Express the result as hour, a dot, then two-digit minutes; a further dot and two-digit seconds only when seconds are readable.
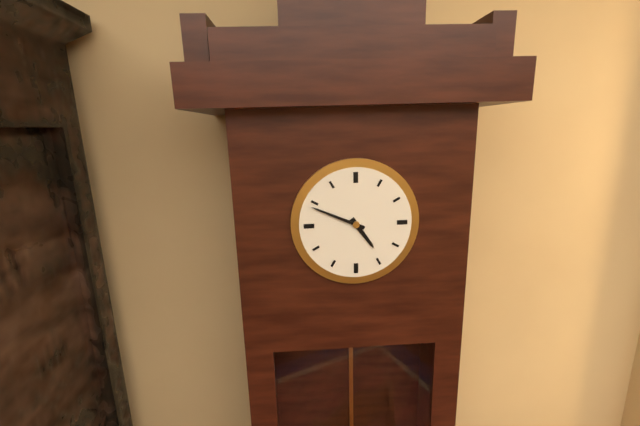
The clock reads 4.49
